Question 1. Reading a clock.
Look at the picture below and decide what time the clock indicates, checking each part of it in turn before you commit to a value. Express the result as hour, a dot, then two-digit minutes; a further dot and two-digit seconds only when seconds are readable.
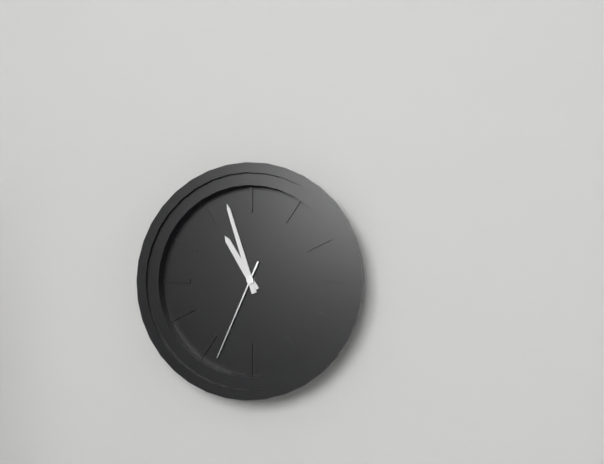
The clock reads 10.57.34
